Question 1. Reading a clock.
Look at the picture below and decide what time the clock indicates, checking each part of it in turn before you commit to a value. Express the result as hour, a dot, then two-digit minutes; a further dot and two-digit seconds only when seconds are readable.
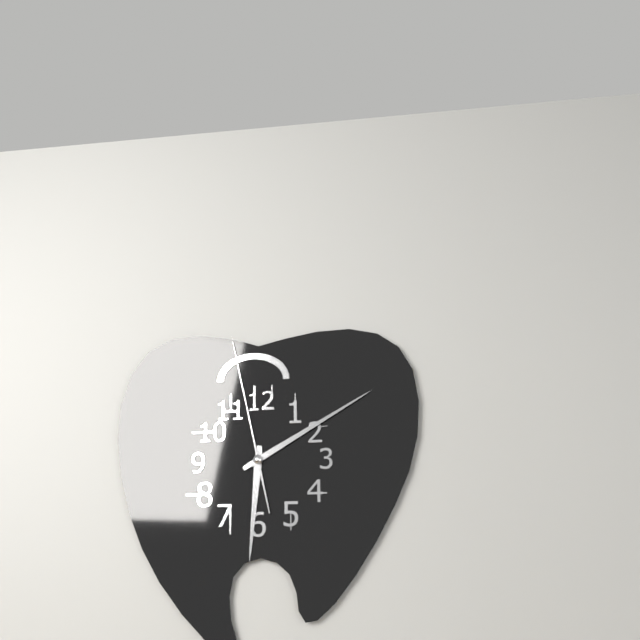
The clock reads 6.10.58
